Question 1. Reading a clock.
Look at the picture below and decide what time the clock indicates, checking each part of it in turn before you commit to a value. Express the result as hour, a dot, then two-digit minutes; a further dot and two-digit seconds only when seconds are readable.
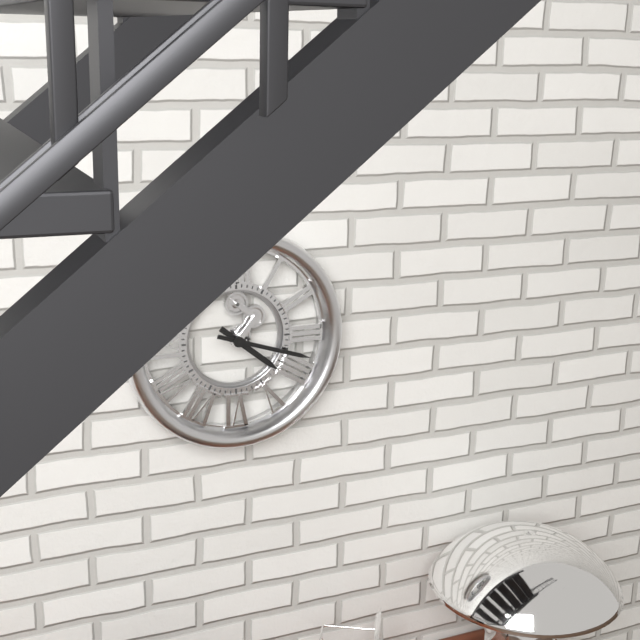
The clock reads 4.18
